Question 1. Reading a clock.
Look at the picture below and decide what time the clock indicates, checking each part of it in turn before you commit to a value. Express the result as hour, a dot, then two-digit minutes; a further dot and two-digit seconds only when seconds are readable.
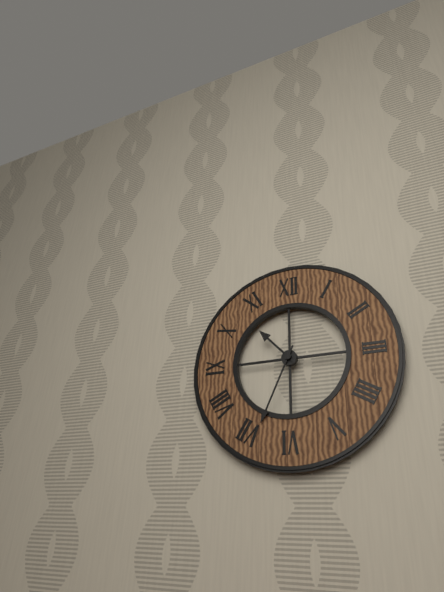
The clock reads 10.34
